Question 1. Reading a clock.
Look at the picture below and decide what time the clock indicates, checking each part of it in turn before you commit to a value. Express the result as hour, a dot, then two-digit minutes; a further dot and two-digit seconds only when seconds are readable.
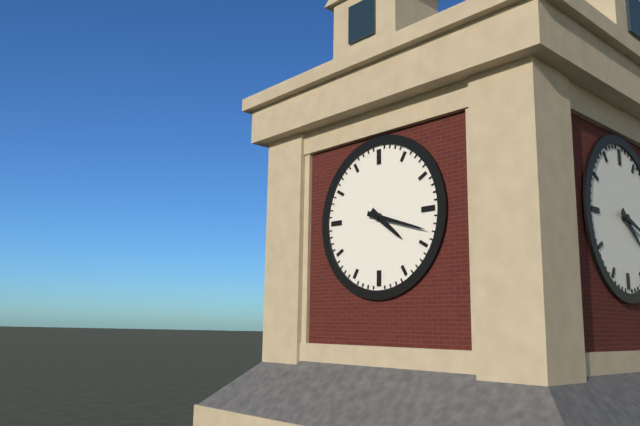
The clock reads 4.18
